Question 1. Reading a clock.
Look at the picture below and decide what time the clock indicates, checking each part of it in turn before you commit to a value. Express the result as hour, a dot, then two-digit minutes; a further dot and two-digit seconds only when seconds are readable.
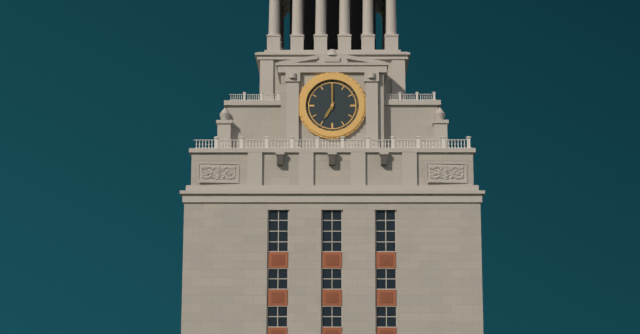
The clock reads 7.00
